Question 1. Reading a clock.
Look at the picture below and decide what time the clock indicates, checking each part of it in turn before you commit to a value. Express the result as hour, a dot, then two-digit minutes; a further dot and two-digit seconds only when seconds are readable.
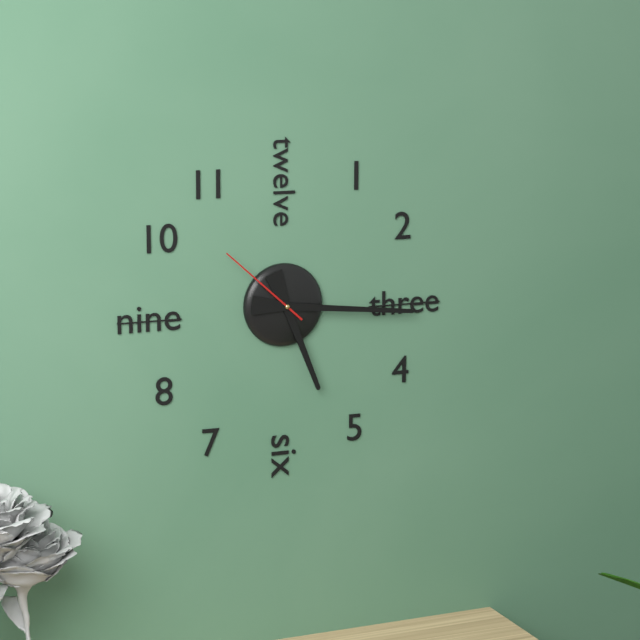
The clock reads 5.16.52
